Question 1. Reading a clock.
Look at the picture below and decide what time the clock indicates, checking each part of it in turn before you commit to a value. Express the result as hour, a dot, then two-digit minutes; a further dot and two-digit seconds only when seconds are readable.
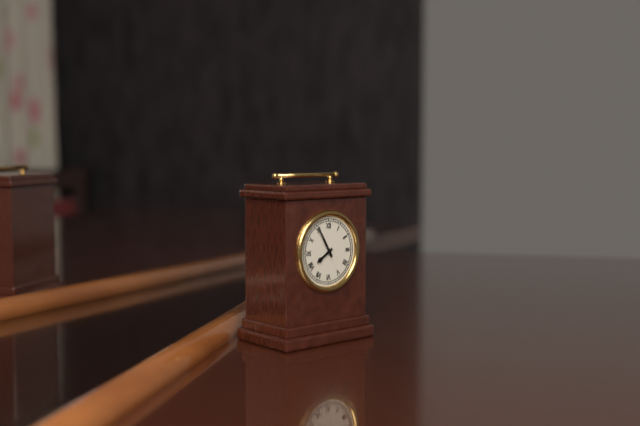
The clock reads 7.55
